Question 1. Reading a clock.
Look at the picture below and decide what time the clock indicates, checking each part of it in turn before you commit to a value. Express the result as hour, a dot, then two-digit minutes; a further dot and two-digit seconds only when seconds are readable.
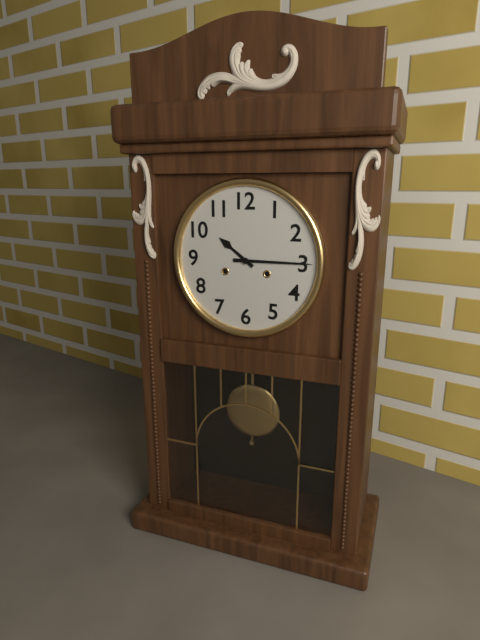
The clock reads 10.15
